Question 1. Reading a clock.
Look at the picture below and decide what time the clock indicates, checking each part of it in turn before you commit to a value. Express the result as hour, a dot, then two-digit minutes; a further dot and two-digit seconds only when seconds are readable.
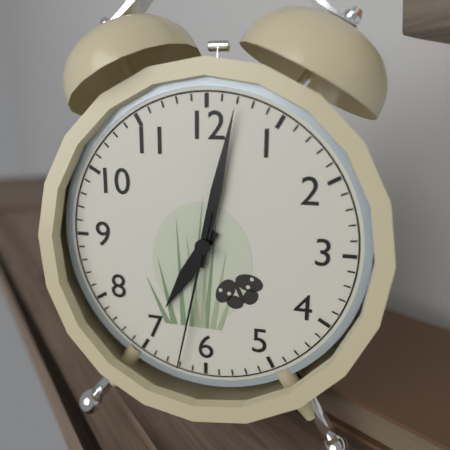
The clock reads 7.02.32
